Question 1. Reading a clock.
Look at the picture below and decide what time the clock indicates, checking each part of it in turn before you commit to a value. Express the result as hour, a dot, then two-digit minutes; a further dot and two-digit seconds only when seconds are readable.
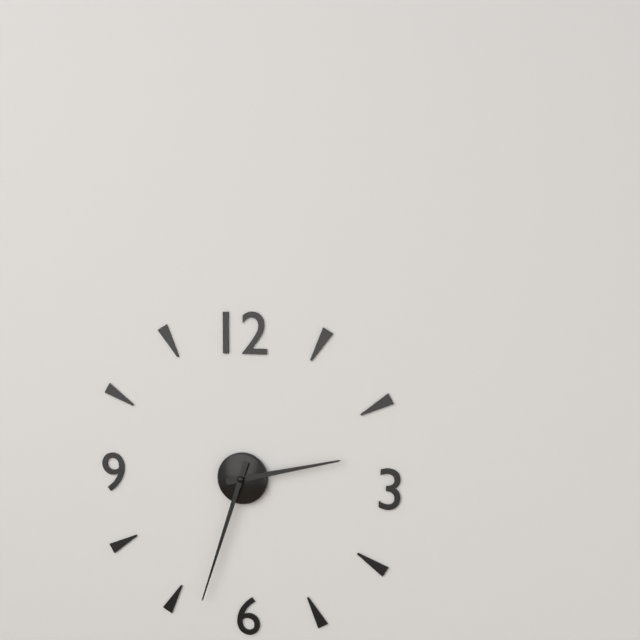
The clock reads 2.33
